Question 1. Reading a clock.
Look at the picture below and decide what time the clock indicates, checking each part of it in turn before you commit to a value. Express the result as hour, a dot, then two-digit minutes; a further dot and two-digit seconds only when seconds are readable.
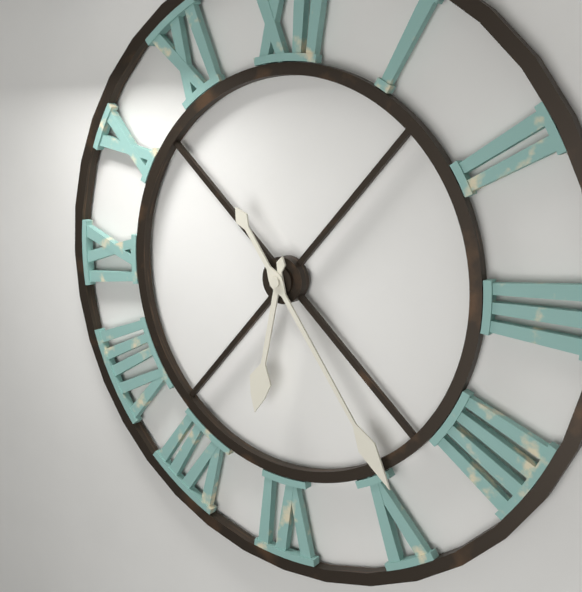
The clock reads 6.24
